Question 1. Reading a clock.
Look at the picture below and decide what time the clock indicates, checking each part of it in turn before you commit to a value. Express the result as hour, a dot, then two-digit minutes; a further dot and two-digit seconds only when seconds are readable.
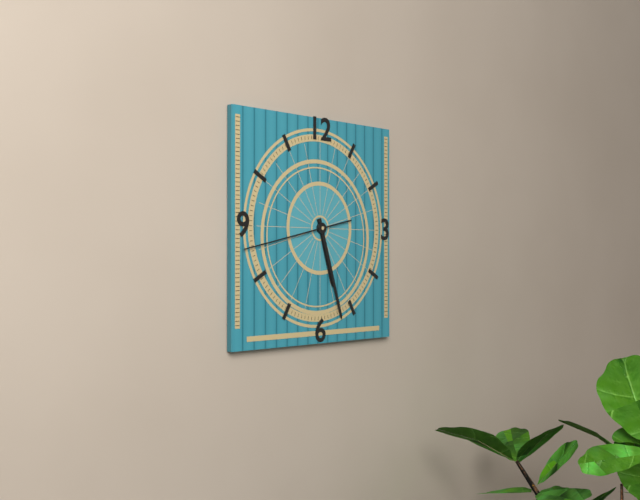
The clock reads 5.27.43
